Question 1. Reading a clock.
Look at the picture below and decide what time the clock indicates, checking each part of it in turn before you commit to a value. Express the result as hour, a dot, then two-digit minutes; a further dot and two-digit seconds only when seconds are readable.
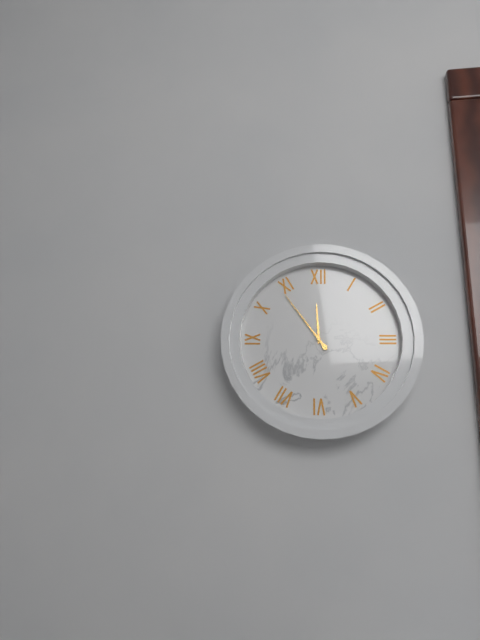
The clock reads 11.54
